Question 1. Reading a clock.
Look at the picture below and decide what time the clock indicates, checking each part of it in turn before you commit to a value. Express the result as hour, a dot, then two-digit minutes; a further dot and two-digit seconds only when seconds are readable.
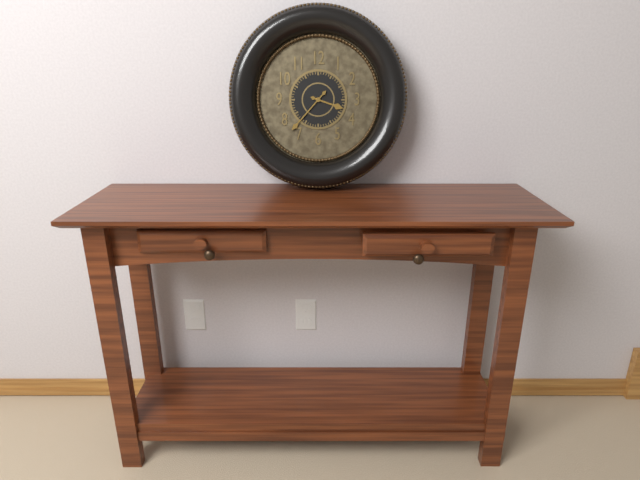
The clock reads 3.37
